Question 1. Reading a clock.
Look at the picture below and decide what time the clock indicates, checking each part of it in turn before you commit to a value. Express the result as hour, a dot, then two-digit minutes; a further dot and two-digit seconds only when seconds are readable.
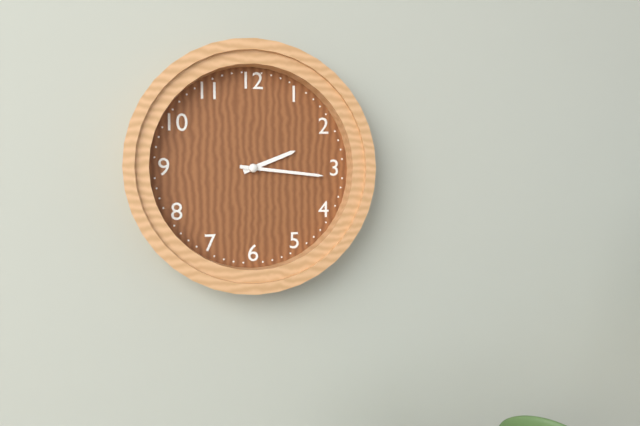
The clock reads 2.16
